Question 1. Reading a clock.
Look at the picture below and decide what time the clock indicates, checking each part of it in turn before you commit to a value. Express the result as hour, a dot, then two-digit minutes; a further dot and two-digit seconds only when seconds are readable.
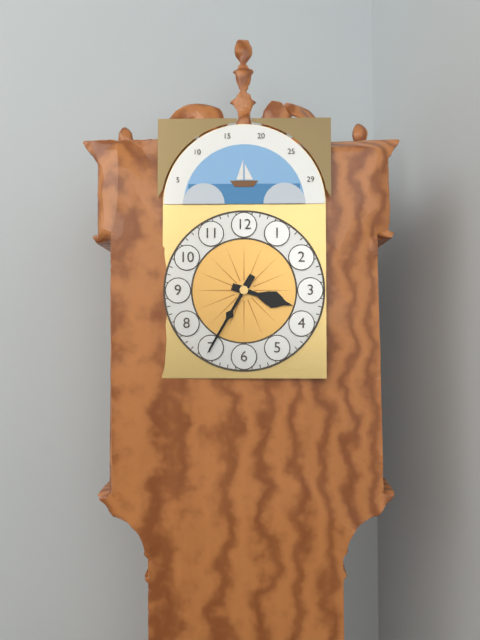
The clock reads 3.35
